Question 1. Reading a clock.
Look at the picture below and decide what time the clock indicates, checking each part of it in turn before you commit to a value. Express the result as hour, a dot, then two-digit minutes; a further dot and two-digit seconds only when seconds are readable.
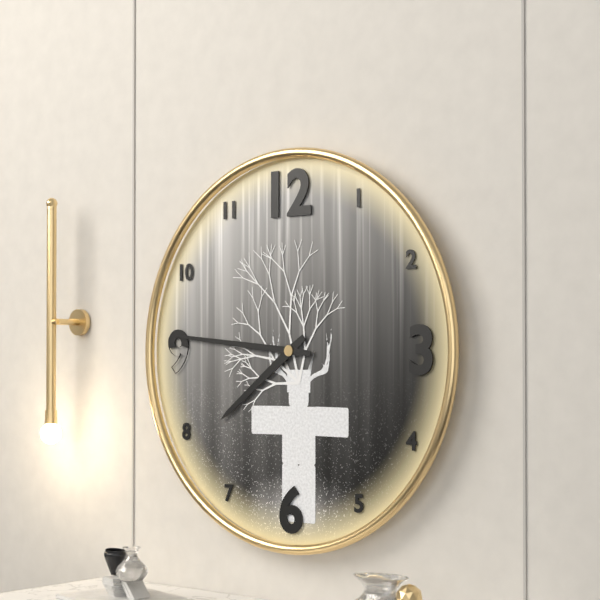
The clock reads 7.46
